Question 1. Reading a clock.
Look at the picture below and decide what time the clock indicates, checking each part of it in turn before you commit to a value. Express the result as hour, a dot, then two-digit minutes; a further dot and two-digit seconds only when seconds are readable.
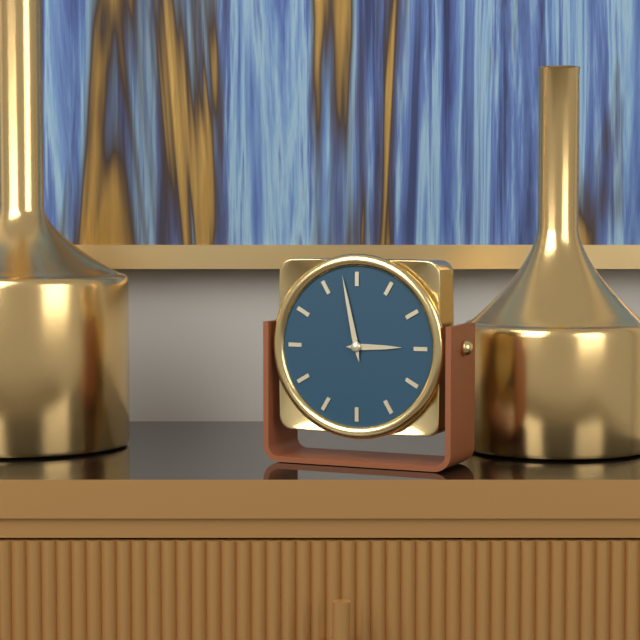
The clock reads 2.58
